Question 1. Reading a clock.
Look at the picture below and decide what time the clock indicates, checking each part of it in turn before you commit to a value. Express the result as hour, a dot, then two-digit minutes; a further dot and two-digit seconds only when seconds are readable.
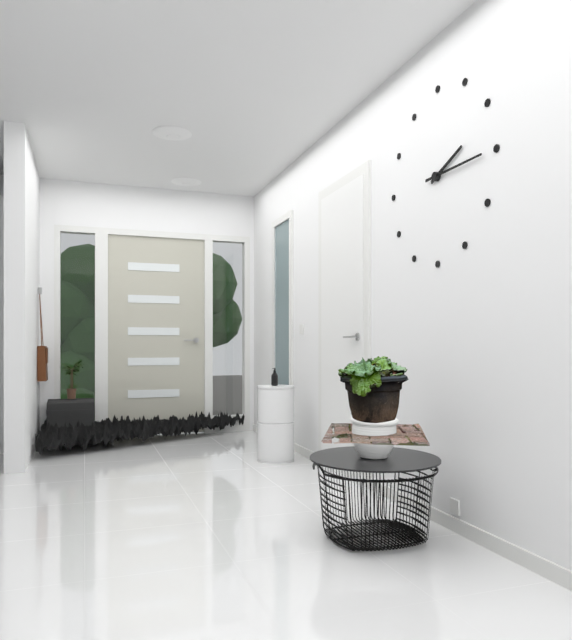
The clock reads 2.15
